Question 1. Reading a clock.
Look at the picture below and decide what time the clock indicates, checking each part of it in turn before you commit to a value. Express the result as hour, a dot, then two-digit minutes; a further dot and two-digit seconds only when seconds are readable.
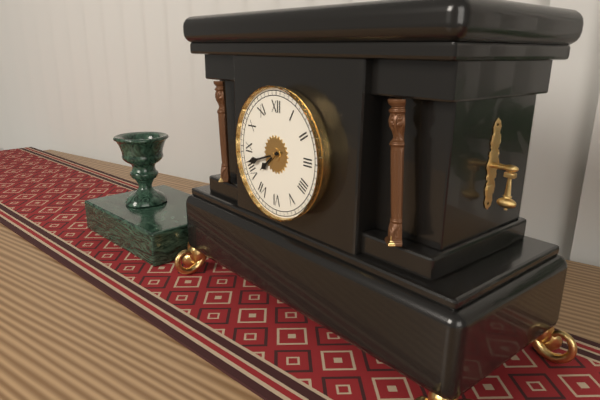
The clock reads 7.42
